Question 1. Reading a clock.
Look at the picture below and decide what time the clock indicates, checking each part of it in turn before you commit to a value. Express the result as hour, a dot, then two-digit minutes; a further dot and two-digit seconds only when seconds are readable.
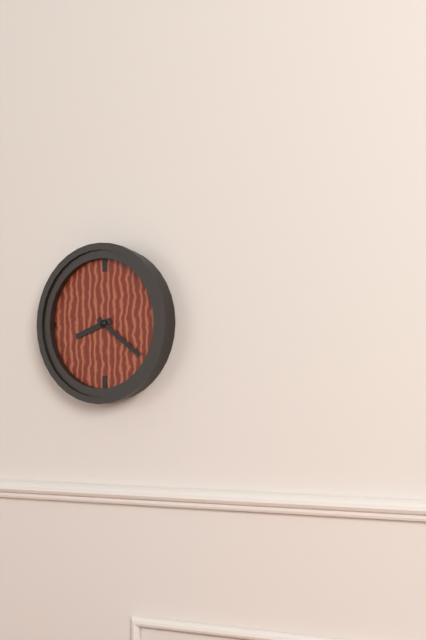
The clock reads 8.21
